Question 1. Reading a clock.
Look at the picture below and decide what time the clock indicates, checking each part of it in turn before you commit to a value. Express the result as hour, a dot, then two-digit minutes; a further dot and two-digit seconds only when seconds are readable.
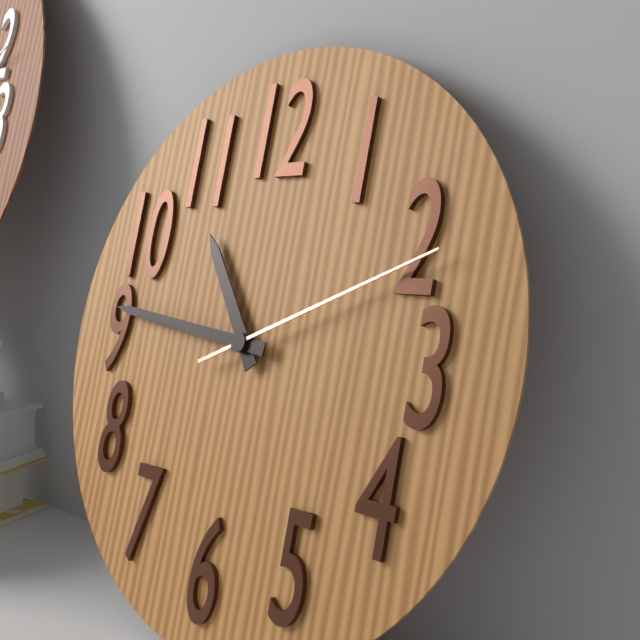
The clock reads 10.46.11
